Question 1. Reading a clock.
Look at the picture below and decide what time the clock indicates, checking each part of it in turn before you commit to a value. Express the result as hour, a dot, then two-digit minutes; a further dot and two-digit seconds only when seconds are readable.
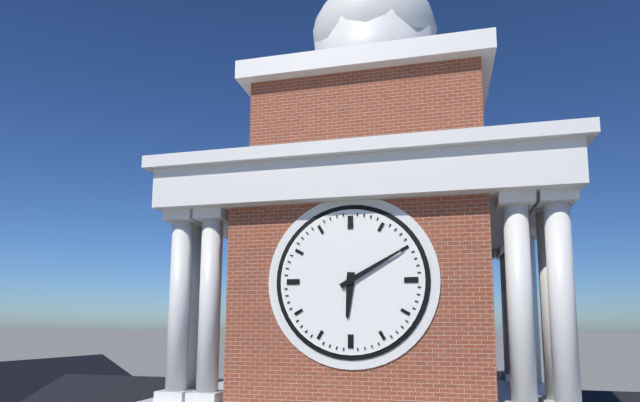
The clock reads 6.10
